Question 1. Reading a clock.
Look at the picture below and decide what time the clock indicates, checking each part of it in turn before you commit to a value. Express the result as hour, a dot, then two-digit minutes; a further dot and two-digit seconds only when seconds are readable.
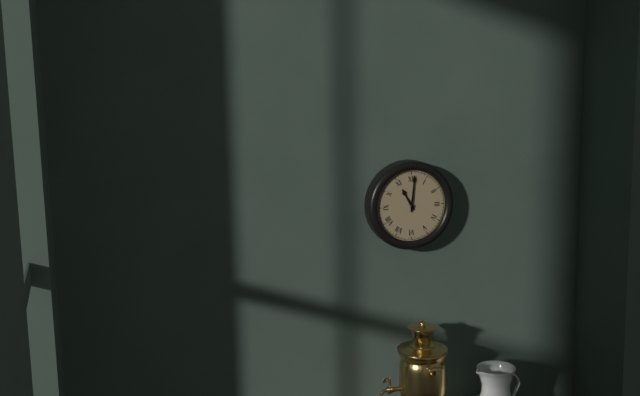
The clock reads 11.01
